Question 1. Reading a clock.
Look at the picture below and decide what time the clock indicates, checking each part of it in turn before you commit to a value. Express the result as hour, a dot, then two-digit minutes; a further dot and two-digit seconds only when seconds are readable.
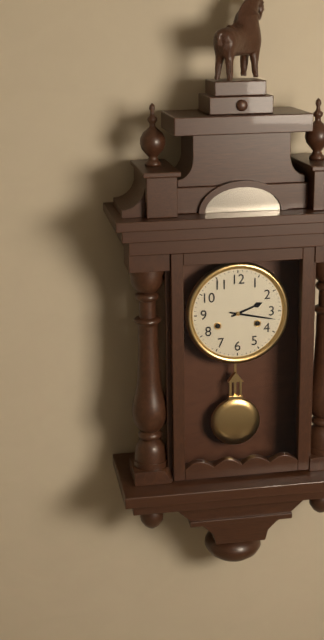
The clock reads 2.17
